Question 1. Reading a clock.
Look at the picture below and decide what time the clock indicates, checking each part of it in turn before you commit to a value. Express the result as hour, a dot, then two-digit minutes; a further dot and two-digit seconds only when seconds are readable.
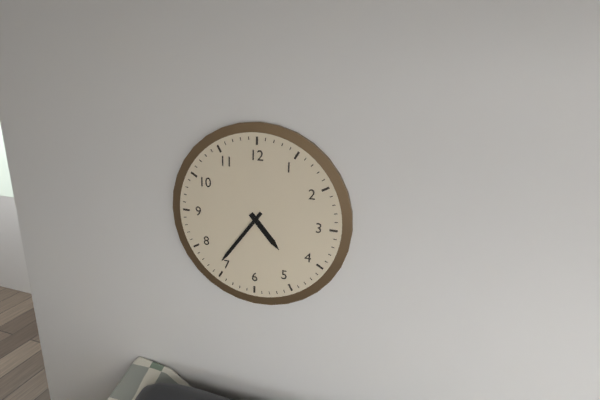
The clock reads 4.36
